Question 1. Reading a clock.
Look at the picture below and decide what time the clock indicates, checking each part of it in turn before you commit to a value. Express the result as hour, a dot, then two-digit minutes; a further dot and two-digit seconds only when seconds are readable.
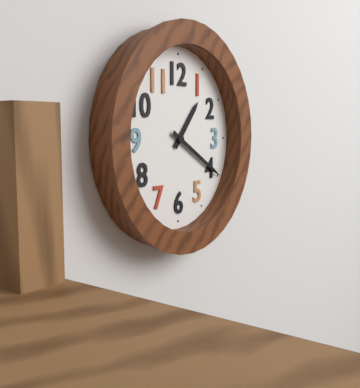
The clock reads 1.20
